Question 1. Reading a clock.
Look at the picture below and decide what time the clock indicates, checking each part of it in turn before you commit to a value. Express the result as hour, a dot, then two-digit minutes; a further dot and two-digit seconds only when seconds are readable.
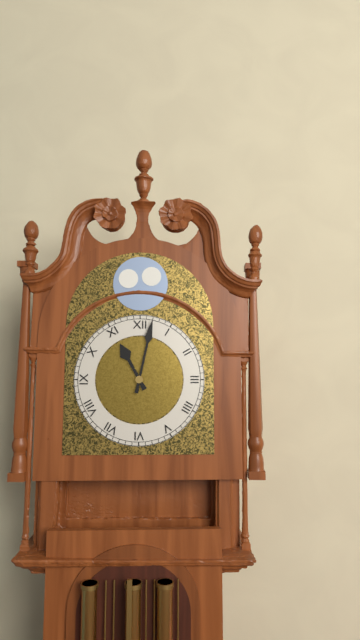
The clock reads 11.02
